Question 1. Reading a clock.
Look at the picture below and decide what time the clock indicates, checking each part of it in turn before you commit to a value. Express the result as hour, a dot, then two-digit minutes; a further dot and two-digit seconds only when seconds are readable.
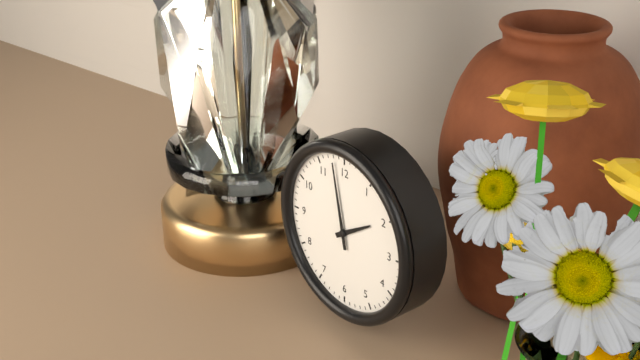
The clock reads 1.58
